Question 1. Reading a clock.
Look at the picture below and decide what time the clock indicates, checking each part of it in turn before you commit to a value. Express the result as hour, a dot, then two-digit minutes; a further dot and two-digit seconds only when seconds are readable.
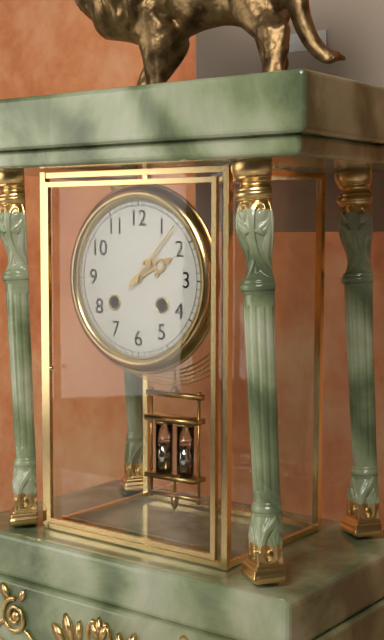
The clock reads 2.07
